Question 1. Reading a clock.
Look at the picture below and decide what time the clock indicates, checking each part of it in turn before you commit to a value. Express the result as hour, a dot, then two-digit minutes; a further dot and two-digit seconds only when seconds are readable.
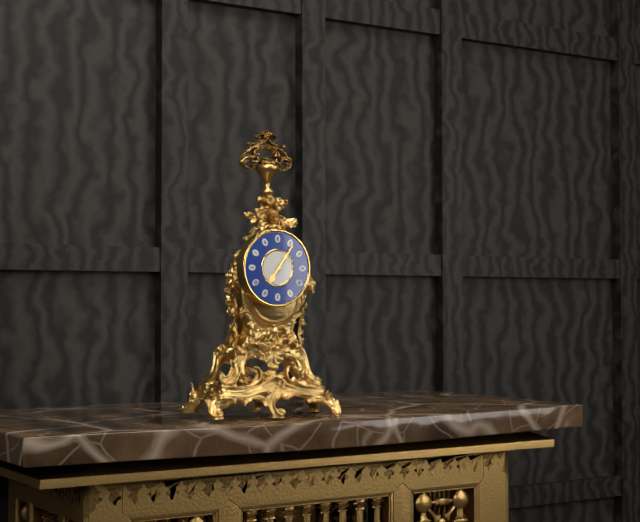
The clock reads 7.06
